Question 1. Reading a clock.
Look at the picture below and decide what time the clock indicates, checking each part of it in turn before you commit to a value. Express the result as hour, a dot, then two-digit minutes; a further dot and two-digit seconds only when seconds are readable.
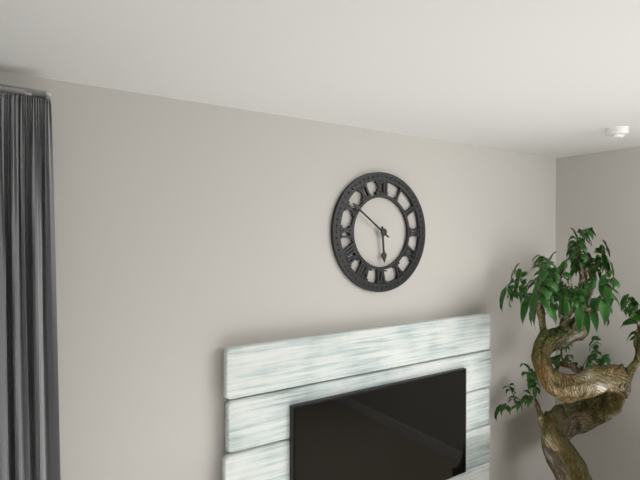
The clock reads 5.51
